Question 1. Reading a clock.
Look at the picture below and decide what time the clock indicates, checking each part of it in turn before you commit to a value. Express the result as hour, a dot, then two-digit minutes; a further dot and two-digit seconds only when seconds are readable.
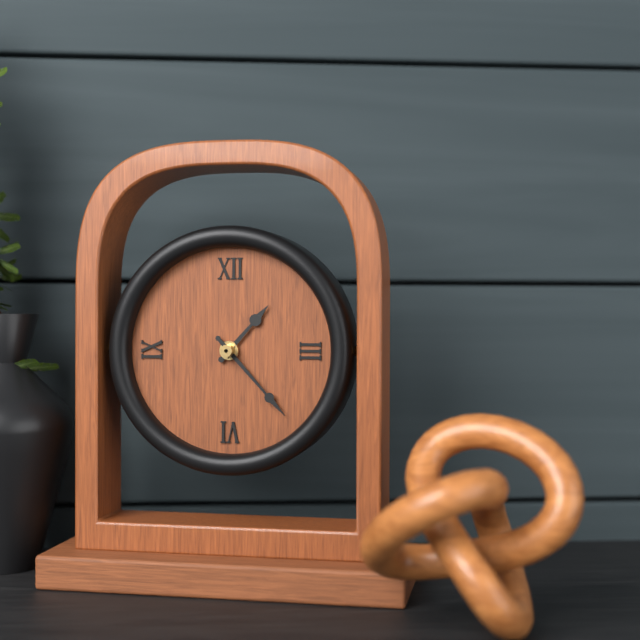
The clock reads 1.23
